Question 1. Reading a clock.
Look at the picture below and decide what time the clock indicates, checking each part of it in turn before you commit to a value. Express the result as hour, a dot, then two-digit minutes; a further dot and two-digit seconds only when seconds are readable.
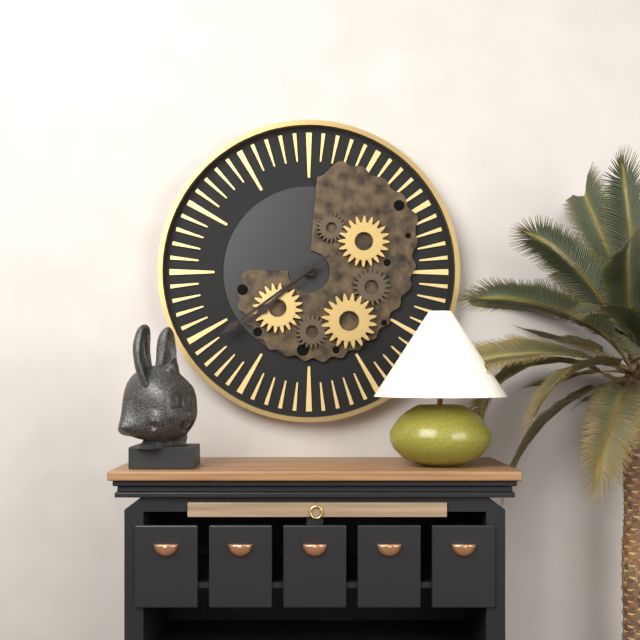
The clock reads 7.39
